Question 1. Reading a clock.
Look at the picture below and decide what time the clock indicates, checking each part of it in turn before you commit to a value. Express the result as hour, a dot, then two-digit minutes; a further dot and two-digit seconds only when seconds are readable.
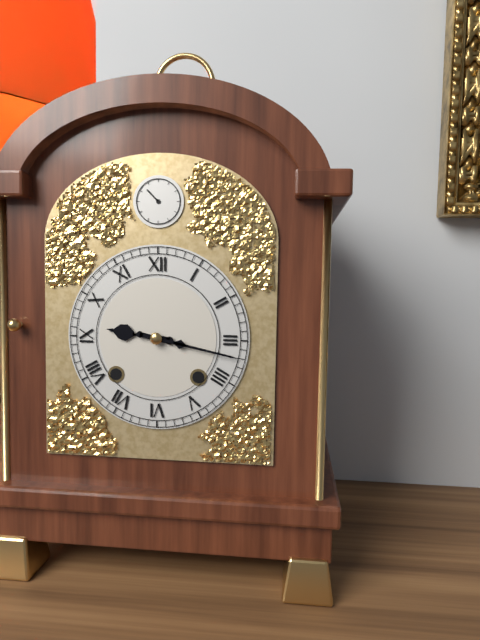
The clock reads 9.17
